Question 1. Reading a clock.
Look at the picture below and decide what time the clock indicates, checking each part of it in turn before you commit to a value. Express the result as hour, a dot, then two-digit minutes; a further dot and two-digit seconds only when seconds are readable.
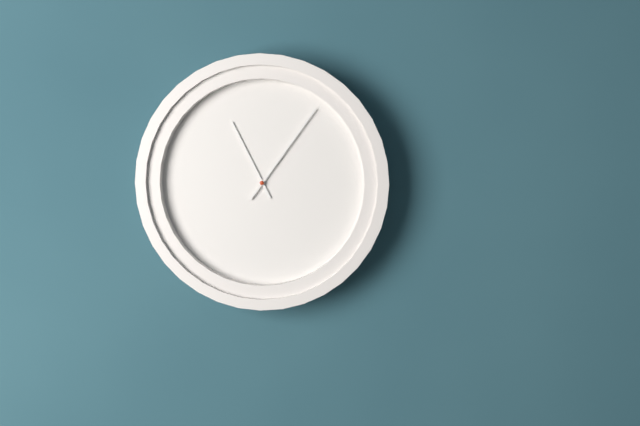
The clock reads 11.06
